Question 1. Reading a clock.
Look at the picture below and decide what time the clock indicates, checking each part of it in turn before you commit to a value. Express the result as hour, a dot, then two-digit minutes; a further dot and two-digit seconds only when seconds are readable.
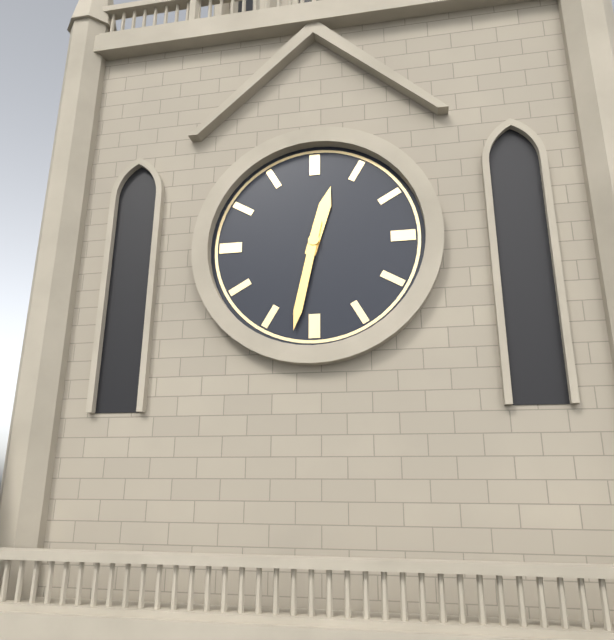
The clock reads 12.32
